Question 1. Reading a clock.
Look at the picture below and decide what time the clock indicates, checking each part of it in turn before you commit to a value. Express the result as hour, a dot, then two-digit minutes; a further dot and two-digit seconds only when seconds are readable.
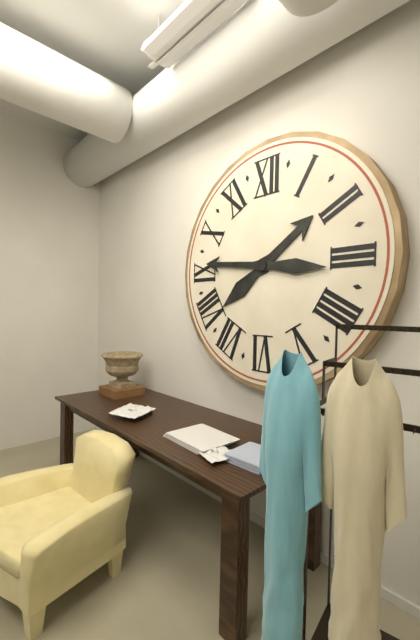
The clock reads 1.46
